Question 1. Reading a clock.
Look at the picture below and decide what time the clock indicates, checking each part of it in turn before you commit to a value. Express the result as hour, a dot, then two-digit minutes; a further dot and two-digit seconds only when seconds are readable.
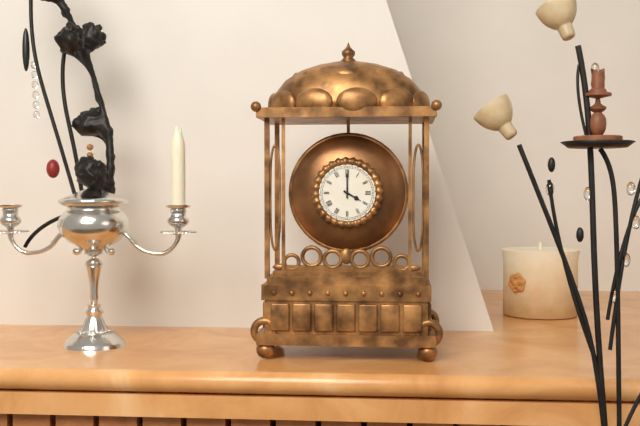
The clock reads 4.00
